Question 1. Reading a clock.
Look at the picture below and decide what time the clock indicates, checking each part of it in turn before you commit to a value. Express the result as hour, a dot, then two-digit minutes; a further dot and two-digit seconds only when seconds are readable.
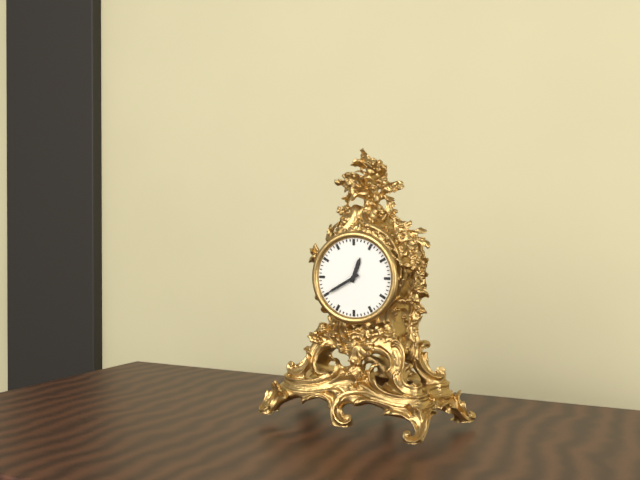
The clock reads 12.40
